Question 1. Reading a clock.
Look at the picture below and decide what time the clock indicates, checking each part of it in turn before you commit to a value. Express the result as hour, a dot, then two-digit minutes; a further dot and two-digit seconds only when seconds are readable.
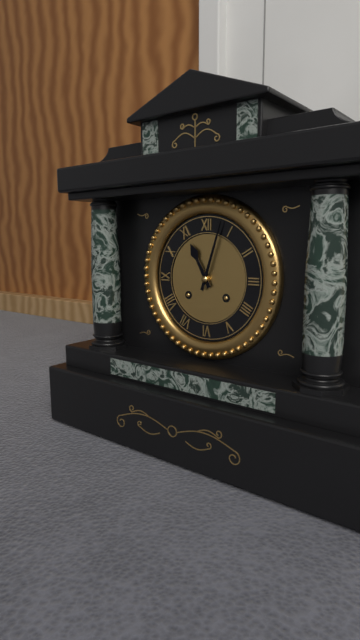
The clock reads 11.03
